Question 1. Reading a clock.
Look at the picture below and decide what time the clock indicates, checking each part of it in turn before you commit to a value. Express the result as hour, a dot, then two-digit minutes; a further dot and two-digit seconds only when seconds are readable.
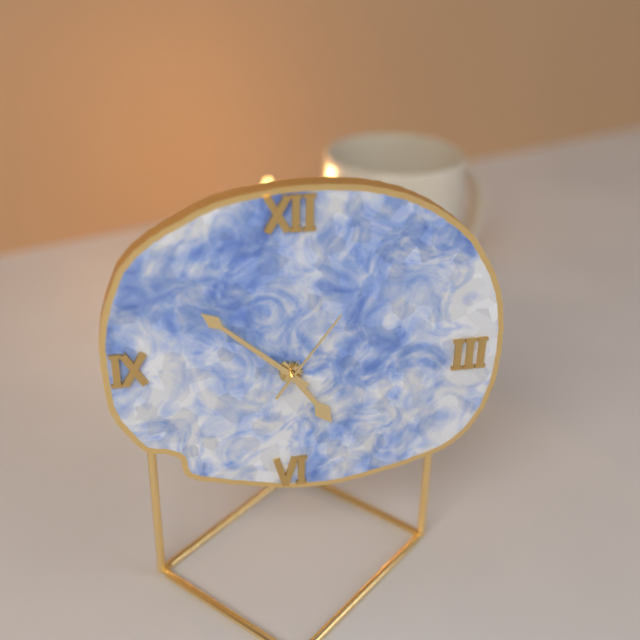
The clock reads 4.52.06
